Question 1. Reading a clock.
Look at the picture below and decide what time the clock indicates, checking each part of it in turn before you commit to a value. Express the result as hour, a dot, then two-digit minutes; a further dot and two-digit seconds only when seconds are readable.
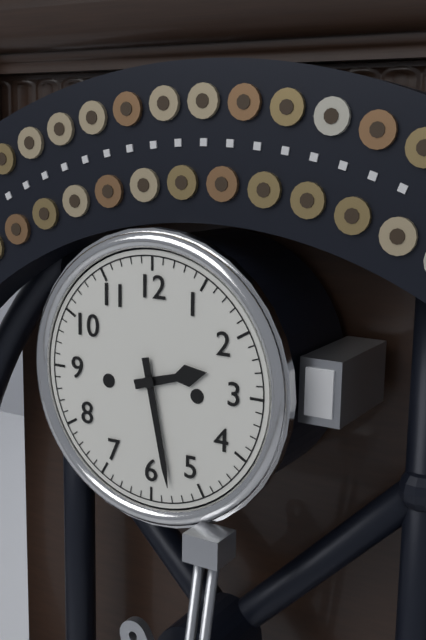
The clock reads 2.28
